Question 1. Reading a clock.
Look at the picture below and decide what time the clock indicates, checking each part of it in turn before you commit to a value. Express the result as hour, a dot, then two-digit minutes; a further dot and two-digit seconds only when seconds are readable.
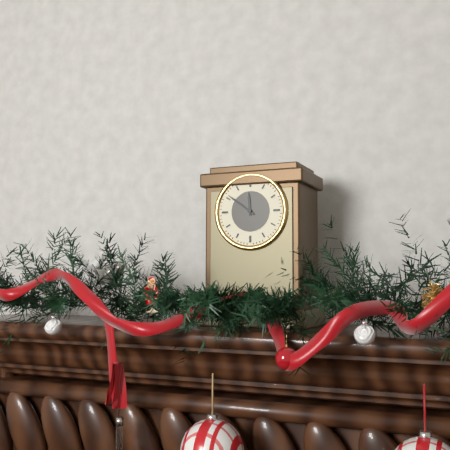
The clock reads 11.51
